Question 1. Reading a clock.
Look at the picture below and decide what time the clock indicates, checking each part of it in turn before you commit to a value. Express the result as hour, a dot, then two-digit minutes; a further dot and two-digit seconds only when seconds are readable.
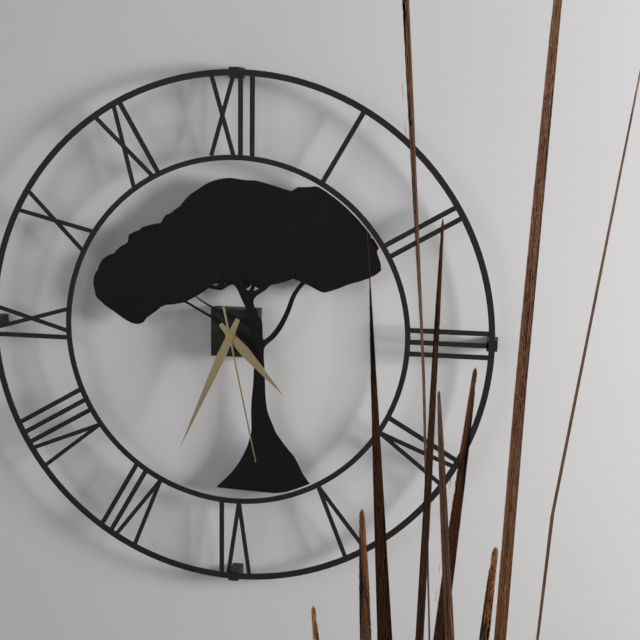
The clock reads 4.34.28
